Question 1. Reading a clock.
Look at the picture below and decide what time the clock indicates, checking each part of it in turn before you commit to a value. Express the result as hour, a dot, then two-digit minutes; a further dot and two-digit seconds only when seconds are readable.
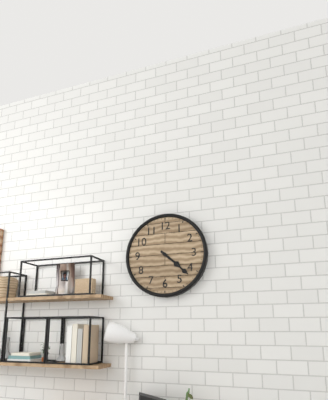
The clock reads 4.22
